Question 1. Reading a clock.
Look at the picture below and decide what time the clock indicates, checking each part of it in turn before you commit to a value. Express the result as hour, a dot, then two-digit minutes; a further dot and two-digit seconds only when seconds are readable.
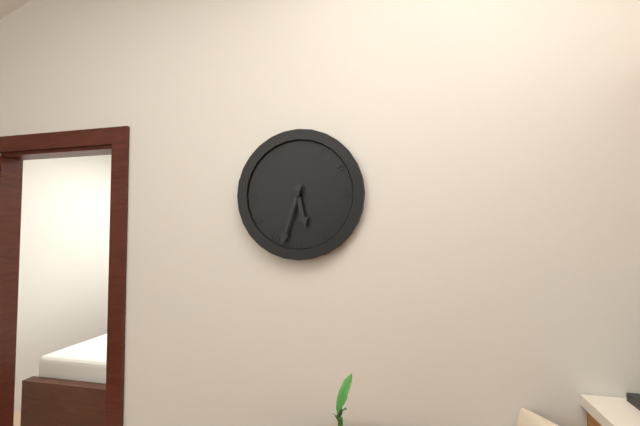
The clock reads 5.33
